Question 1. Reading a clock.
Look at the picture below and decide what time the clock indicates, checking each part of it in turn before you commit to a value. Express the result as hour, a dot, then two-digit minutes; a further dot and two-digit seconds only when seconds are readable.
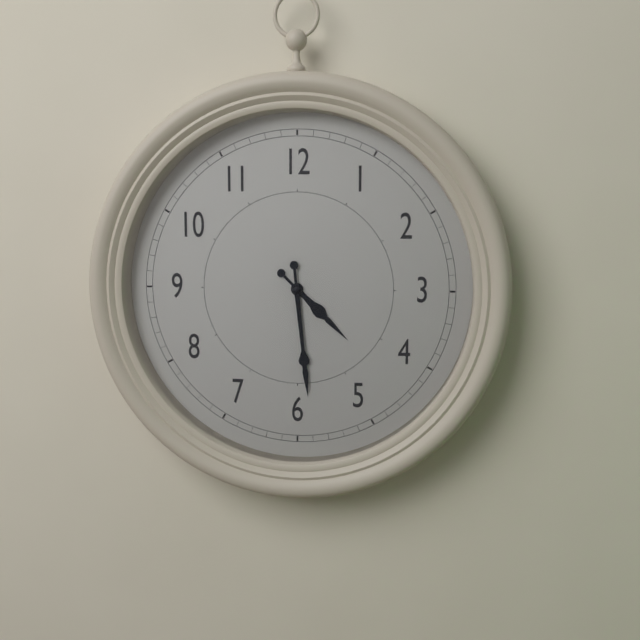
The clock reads 4.29
